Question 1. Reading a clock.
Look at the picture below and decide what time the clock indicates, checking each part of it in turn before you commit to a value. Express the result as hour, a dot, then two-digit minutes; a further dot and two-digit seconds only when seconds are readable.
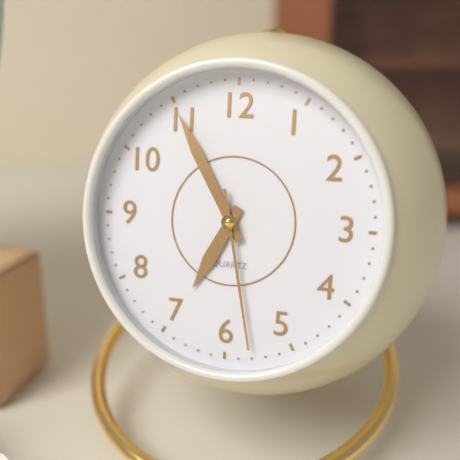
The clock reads 6.55.28
